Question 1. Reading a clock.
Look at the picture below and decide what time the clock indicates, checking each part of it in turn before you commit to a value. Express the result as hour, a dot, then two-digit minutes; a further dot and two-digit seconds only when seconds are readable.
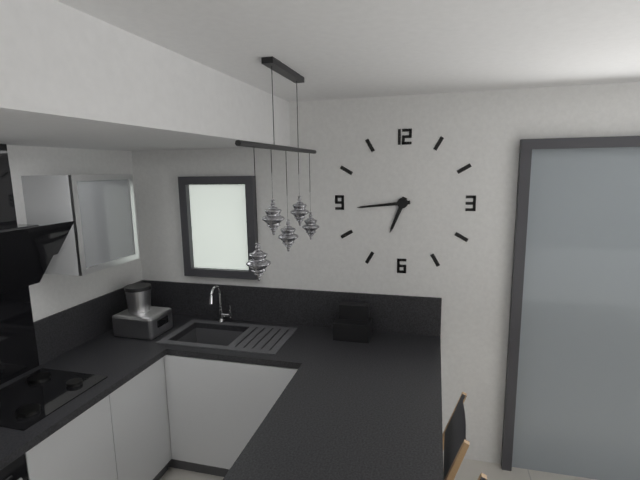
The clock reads 6.44
